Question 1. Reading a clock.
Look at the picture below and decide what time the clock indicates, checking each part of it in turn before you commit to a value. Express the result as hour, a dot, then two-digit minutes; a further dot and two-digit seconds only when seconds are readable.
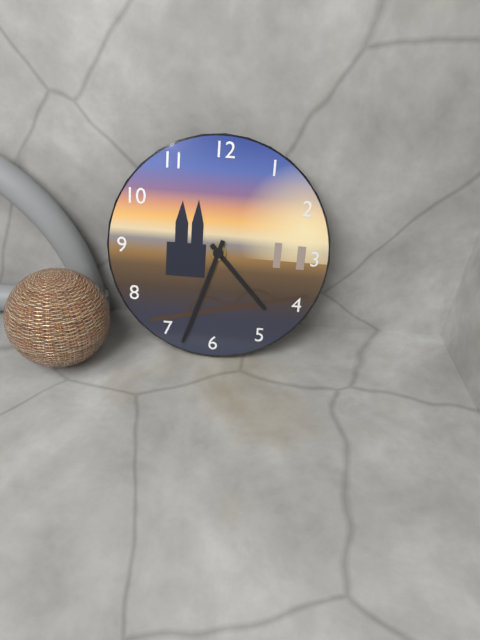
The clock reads 4.33
